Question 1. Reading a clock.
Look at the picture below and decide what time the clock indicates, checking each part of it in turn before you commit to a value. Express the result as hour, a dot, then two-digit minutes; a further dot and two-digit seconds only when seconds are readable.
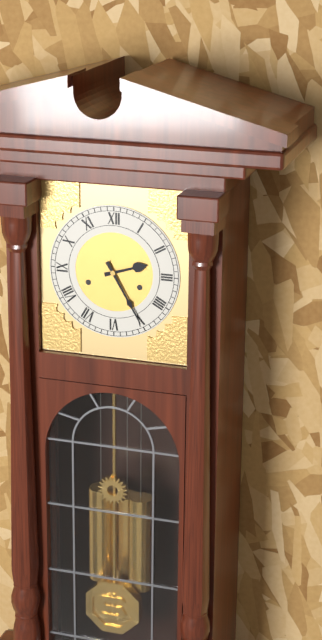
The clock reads 2.25
